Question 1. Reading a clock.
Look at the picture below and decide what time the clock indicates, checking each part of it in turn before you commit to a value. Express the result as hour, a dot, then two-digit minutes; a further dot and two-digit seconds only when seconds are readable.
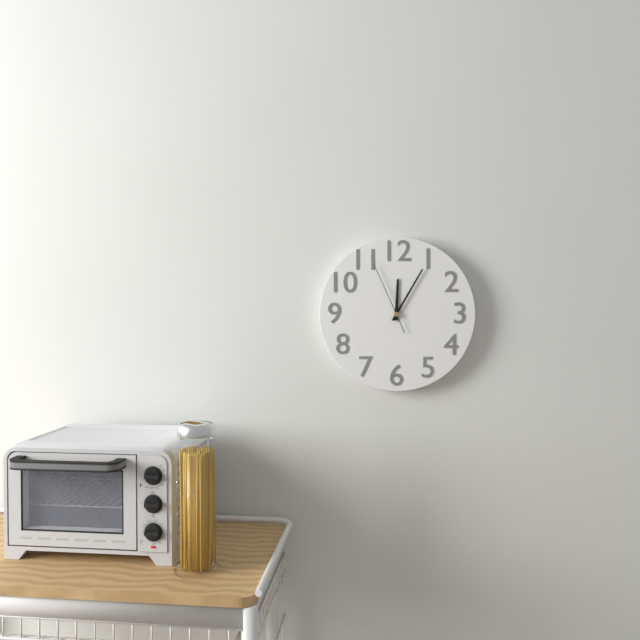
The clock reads 12.05.56
